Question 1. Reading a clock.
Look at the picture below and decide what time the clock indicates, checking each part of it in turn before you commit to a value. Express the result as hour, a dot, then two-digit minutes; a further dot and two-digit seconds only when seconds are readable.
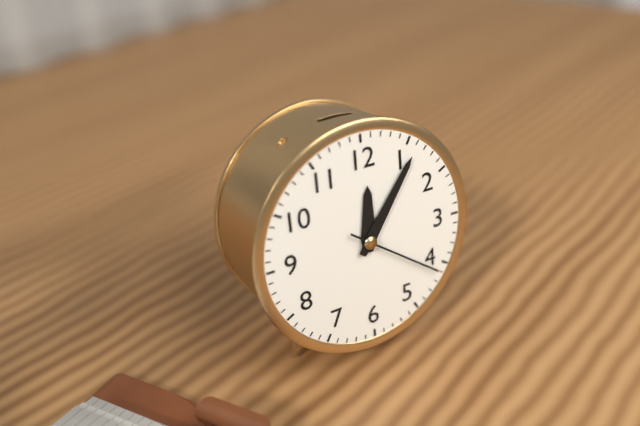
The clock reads 12.06.21
